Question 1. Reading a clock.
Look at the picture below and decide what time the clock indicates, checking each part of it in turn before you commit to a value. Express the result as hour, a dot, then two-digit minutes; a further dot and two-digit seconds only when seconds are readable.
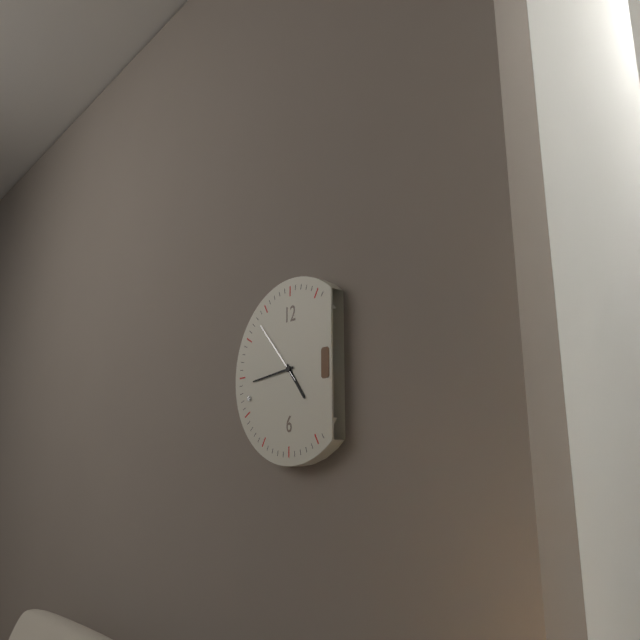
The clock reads 4.44.53
